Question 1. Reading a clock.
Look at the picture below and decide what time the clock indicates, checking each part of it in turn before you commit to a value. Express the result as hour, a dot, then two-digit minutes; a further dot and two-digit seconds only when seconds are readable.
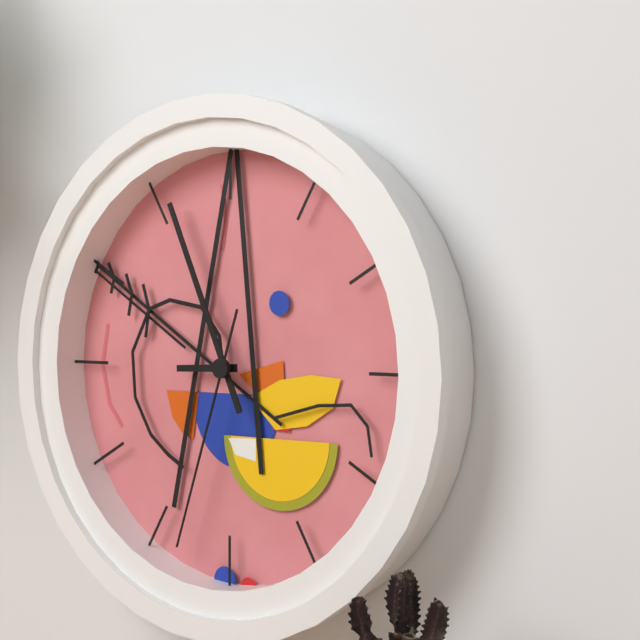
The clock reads 8.56.33
